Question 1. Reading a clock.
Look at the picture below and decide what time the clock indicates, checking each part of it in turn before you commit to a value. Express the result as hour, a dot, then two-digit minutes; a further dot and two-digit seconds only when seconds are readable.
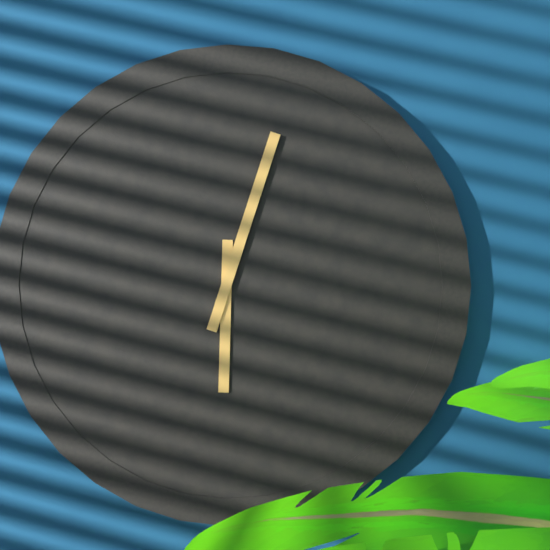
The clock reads 6.03
